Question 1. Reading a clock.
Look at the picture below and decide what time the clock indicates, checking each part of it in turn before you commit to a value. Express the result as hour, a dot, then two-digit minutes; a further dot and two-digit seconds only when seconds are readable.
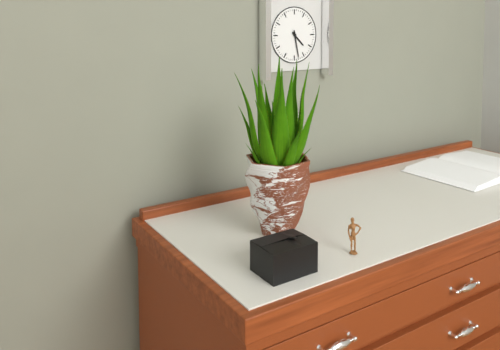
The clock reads 4.28
